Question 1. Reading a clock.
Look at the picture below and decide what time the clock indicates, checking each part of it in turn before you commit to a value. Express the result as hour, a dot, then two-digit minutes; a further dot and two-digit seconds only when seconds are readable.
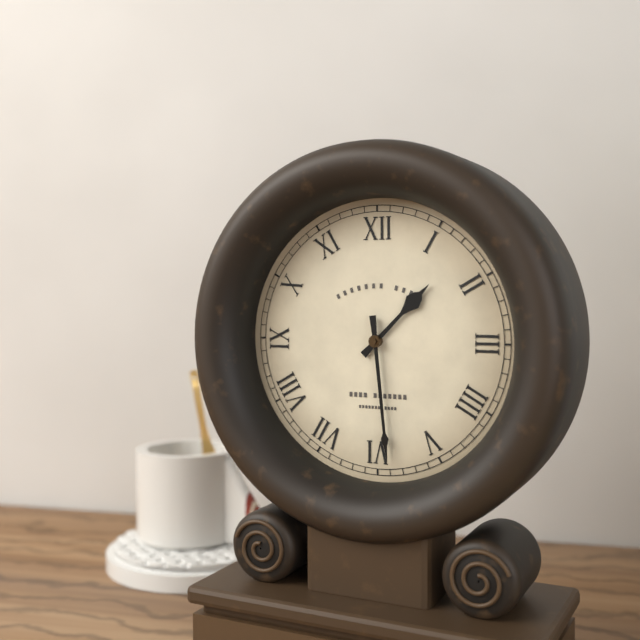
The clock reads 1.29
